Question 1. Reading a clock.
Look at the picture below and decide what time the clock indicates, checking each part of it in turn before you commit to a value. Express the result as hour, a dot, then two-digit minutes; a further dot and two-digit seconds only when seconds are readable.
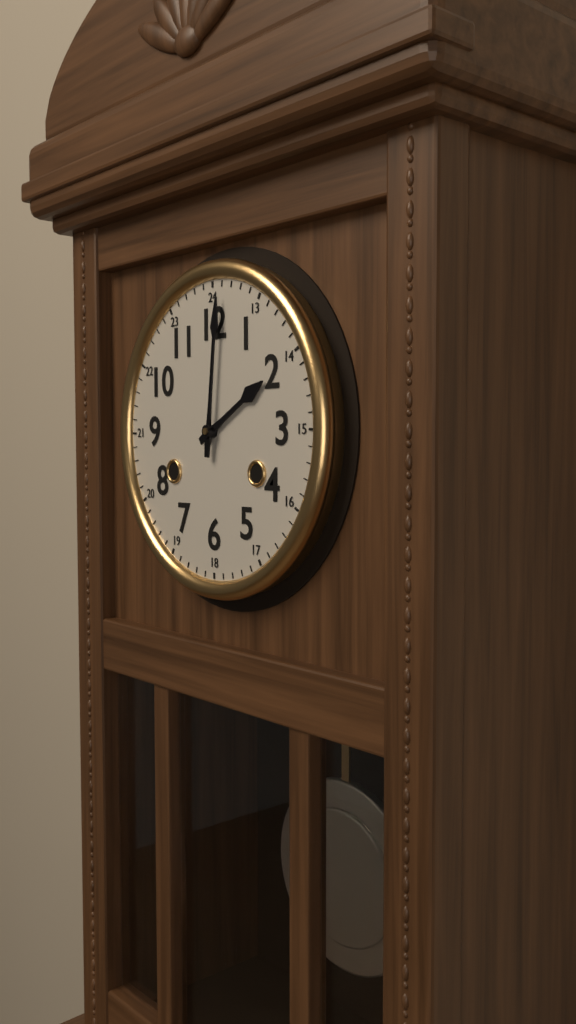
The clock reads 2.01
